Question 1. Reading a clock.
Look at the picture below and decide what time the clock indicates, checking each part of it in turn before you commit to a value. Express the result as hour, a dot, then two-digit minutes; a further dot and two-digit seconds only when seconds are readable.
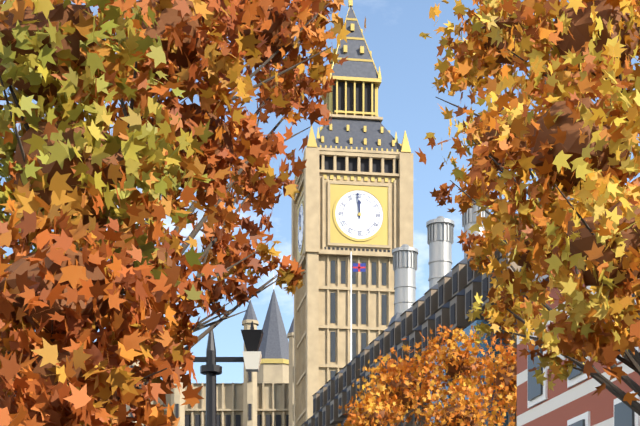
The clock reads 11.59
